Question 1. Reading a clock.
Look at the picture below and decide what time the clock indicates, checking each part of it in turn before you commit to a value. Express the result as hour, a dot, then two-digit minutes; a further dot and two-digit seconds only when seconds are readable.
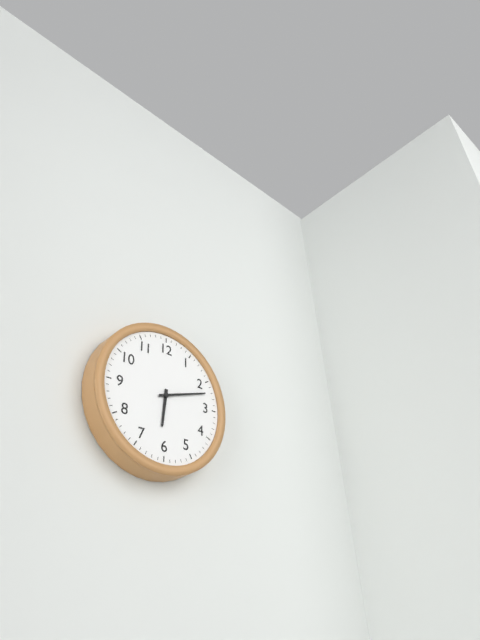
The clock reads 6.12
